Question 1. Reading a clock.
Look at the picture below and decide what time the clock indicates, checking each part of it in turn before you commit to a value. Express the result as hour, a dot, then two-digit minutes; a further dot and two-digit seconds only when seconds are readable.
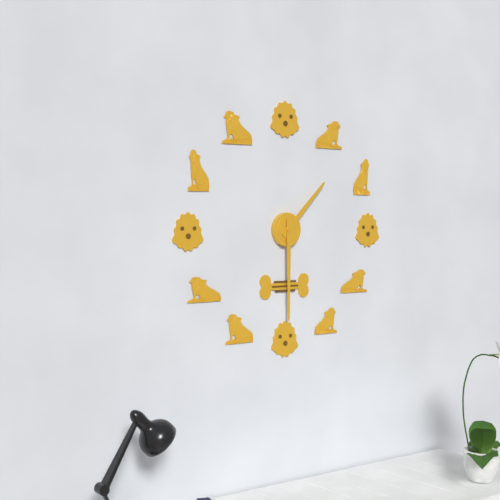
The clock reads 1.30
